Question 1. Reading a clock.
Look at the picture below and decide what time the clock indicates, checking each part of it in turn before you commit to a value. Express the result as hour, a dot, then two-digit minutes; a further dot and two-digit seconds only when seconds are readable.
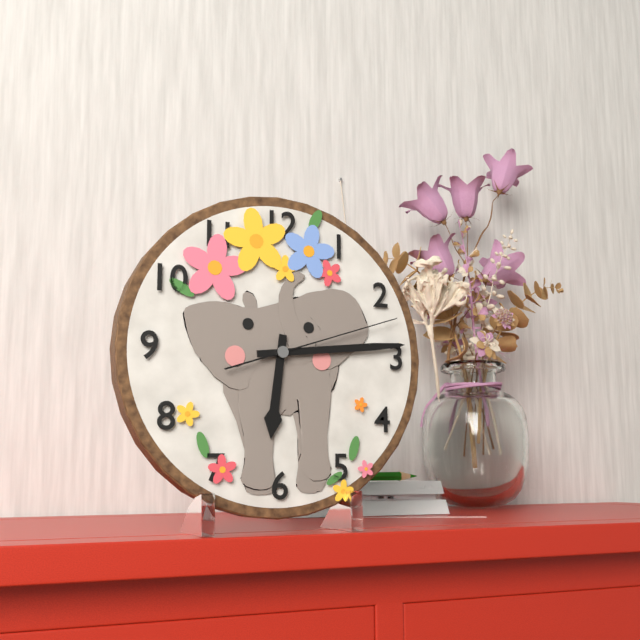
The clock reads 6.14.12
